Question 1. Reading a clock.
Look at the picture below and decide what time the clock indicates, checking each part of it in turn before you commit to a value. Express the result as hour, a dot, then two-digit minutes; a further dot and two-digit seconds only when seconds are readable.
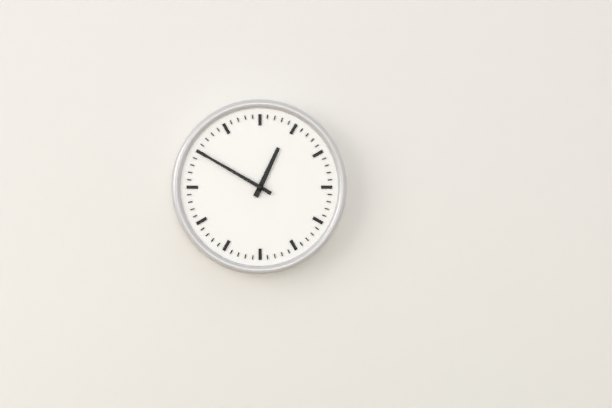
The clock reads 12.50
